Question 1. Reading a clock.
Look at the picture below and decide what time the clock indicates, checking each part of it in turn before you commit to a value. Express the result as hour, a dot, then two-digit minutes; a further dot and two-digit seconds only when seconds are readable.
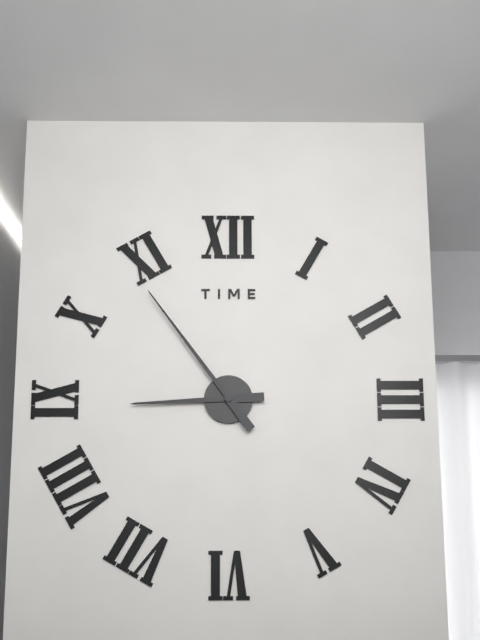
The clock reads 8.54
